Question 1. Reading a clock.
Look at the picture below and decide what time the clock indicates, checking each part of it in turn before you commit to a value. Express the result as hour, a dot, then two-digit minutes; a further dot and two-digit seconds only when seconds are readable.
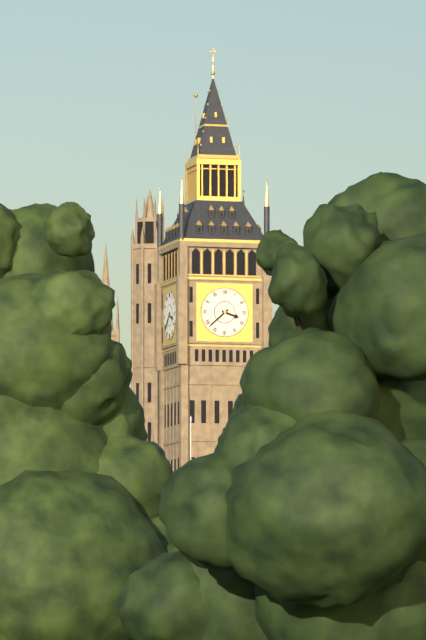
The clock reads 3.38
